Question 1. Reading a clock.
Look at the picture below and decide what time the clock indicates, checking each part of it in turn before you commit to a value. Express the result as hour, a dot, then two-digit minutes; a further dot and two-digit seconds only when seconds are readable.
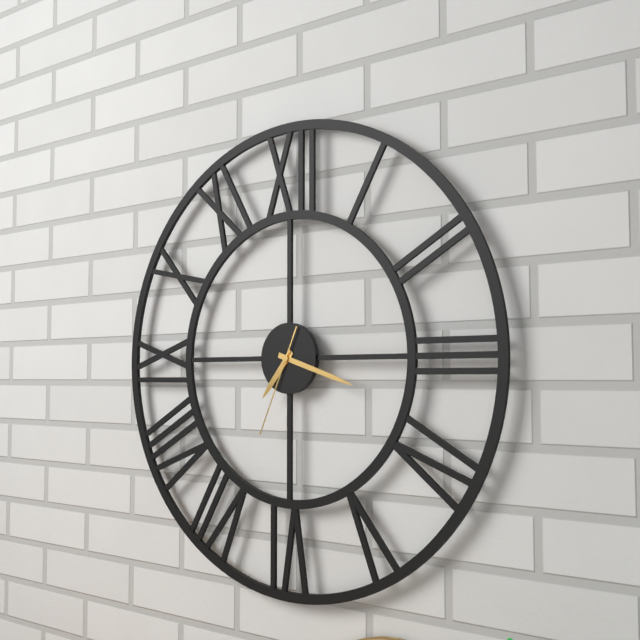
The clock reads 7.18.34
